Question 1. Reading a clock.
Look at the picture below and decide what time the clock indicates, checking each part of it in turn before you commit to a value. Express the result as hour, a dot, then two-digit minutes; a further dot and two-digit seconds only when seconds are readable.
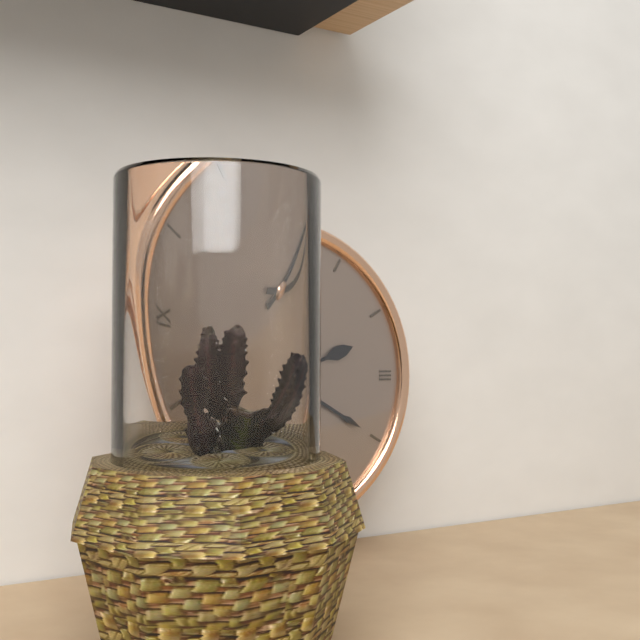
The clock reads 2.20
